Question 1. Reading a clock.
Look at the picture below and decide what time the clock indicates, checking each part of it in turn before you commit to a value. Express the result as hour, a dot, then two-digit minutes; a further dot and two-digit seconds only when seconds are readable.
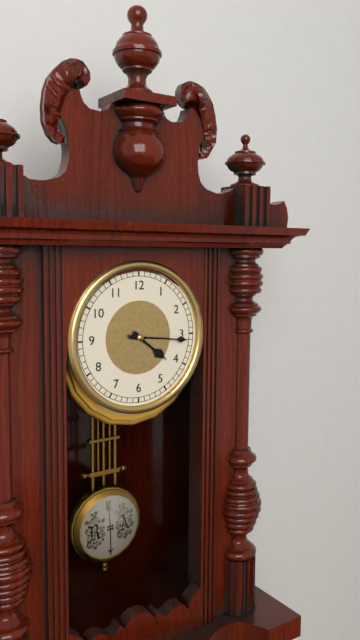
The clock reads 4.16
